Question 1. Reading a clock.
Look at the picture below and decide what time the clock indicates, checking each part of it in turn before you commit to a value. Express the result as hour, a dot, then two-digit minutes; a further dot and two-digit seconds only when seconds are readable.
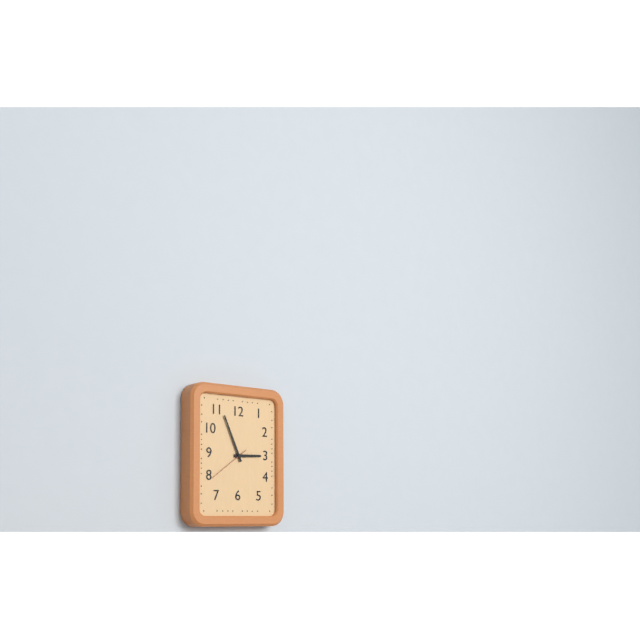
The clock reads 2.56
